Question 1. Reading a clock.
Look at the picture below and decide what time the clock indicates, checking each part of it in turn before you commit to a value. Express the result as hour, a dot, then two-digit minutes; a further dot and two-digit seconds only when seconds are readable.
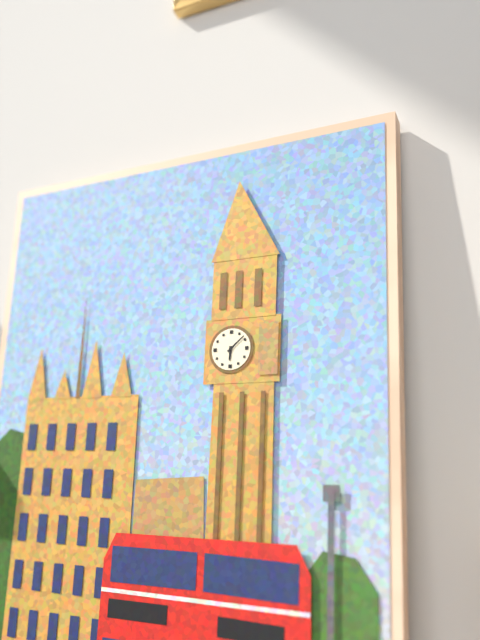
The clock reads 6.08
